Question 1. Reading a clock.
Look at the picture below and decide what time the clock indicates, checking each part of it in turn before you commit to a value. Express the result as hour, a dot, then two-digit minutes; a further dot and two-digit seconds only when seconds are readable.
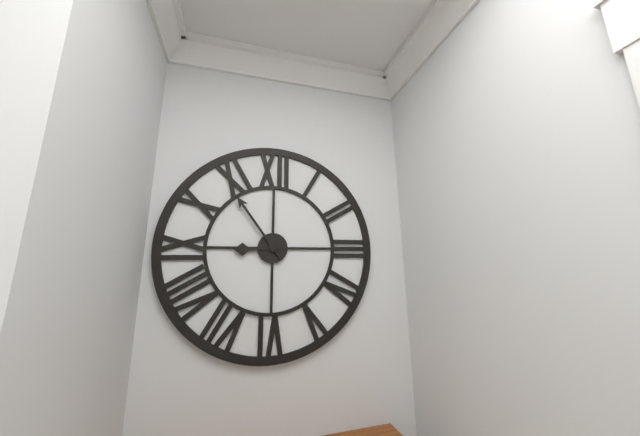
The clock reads 8.54
